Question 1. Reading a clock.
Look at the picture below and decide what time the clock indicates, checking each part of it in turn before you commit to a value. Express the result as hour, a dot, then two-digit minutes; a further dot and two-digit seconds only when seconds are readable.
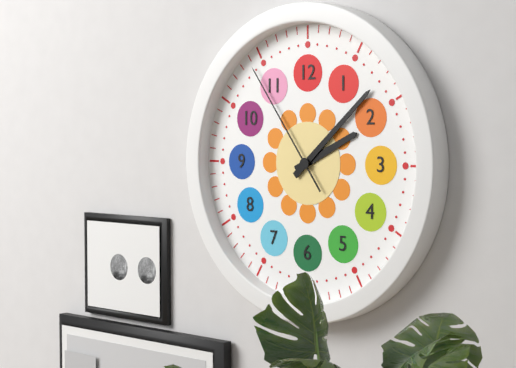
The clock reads 2.08.54
